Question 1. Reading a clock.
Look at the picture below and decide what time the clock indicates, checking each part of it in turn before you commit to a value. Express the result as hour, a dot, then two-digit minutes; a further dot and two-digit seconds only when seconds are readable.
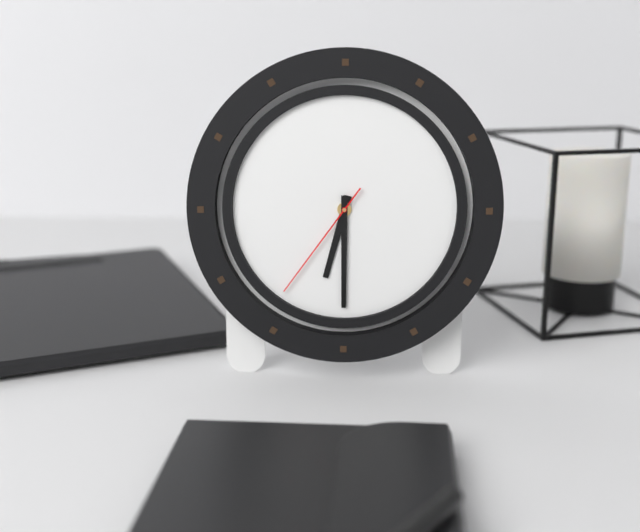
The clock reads 6.30.36
